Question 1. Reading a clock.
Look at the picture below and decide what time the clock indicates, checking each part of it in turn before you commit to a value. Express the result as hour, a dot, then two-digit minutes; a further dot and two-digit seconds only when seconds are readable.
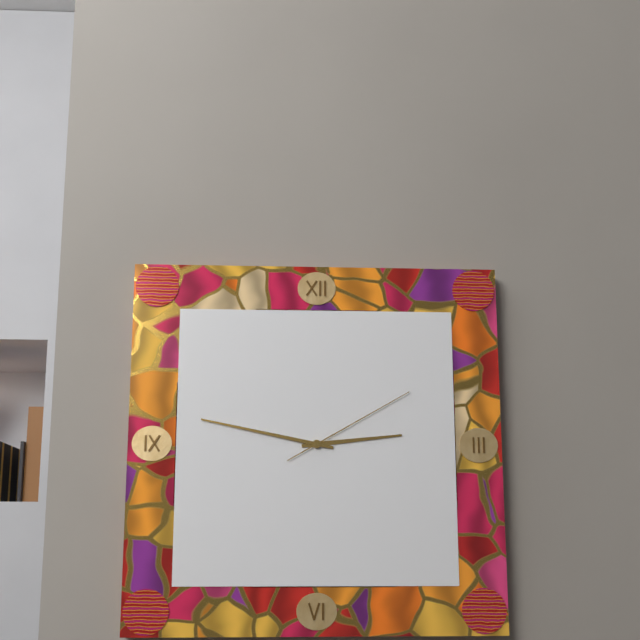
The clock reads 2.47.10
